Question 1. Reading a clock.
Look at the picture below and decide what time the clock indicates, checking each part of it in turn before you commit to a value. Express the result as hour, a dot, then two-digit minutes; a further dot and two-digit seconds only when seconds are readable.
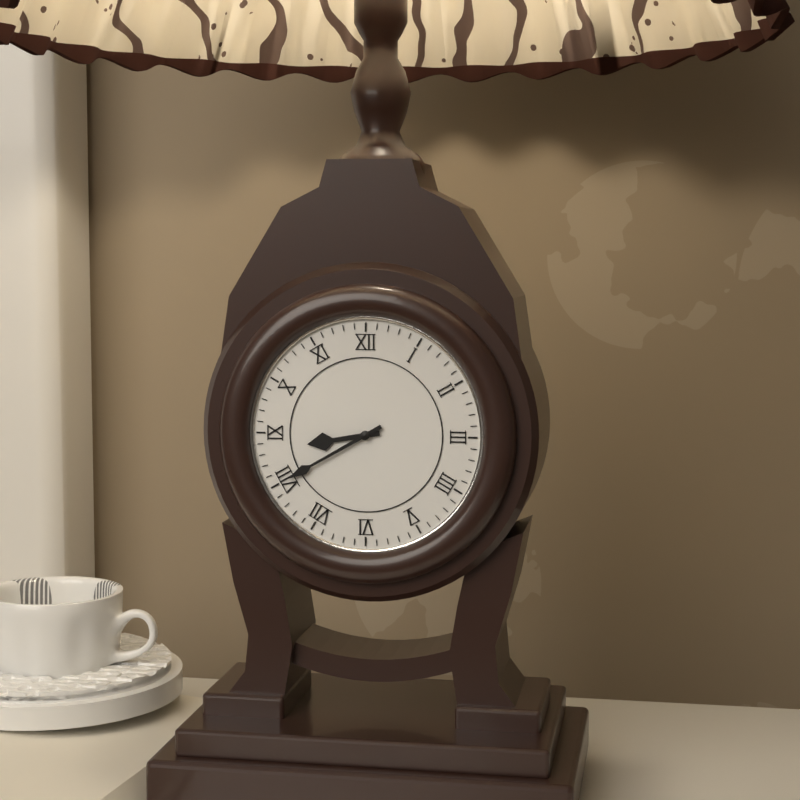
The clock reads 8.40
